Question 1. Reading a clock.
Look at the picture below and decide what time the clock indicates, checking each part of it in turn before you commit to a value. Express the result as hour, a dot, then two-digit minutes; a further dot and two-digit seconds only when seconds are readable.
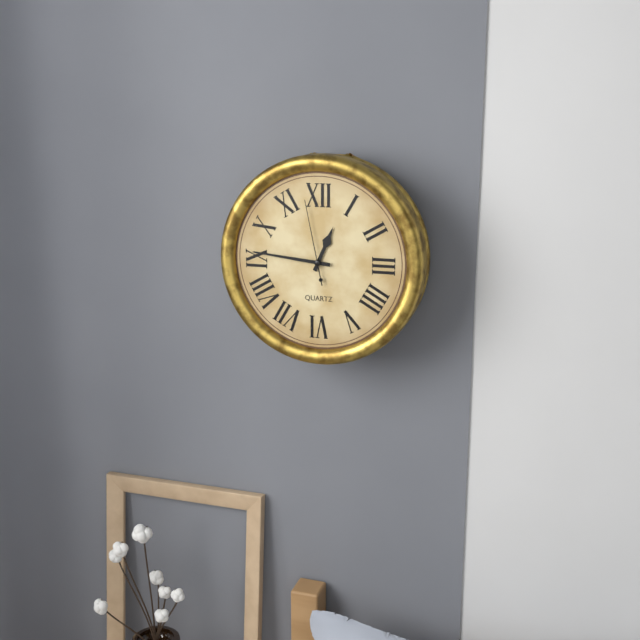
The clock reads 12.46.58
